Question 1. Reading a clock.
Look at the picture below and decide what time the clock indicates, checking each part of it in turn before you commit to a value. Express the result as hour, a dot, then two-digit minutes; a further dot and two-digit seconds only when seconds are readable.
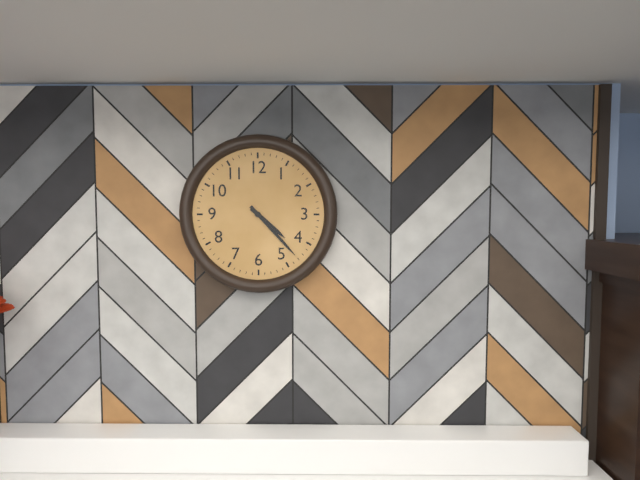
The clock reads 4.23
